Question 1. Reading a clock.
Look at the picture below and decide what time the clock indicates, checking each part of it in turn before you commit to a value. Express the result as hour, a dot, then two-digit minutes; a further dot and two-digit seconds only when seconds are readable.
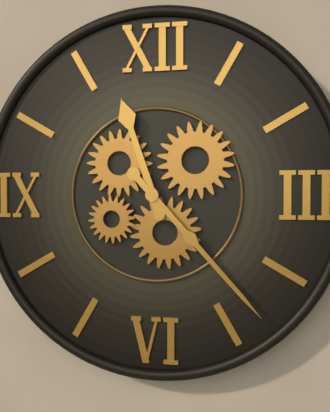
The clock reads 11.23
